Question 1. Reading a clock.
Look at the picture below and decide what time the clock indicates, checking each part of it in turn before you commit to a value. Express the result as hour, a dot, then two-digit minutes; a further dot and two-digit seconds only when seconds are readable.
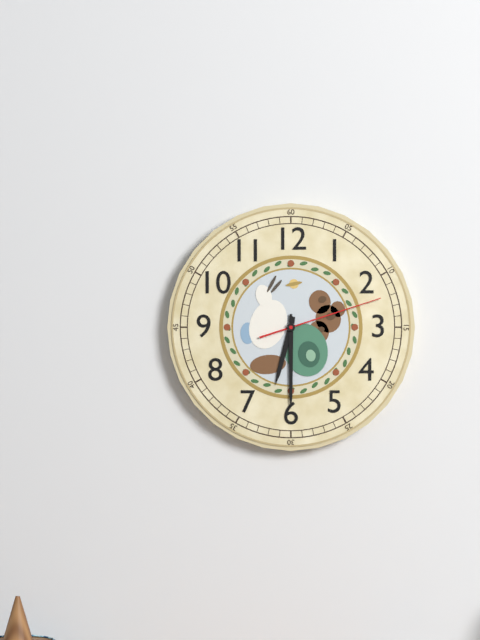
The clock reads 6.30.12
